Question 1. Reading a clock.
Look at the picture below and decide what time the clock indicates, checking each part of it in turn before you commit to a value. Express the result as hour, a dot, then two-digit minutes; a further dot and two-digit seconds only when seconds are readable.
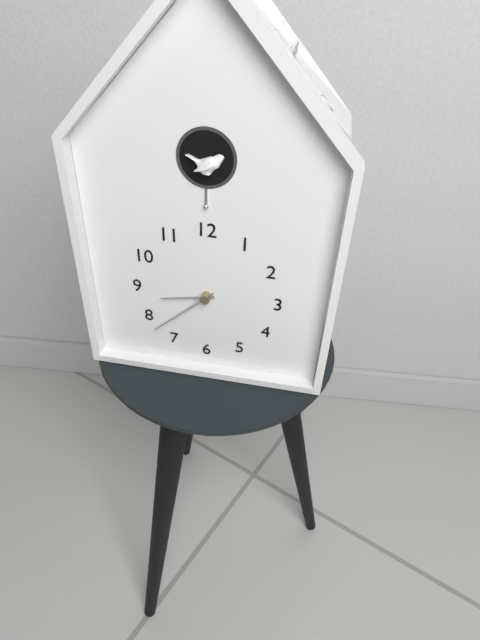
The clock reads 8.38
